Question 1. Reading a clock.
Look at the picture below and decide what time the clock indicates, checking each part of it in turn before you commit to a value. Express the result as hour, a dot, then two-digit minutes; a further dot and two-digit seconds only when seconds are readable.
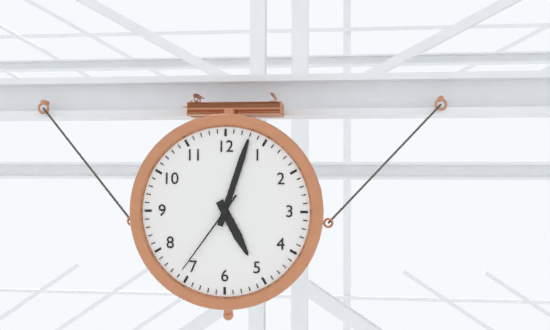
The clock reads 5.03.36
